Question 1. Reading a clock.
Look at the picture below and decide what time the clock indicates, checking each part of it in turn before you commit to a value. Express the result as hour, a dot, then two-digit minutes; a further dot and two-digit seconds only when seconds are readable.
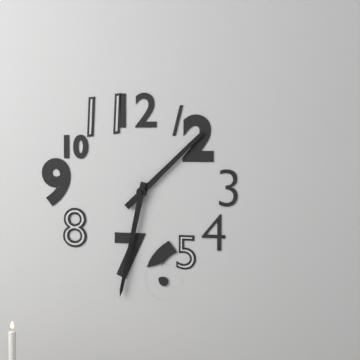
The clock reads 1.32
